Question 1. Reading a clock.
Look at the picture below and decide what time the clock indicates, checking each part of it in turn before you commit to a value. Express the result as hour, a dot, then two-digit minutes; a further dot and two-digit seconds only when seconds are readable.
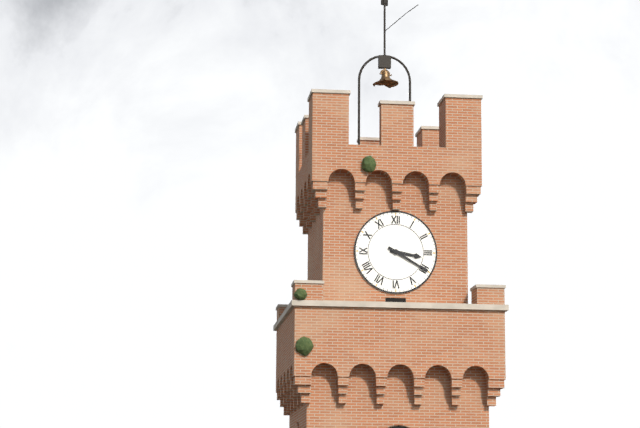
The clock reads 3.20
